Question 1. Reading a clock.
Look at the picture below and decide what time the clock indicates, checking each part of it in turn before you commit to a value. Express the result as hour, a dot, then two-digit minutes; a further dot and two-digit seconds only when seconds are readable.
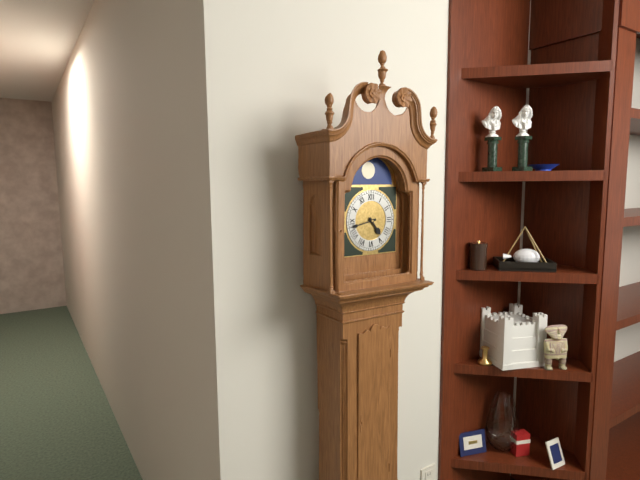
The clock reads 4.43
